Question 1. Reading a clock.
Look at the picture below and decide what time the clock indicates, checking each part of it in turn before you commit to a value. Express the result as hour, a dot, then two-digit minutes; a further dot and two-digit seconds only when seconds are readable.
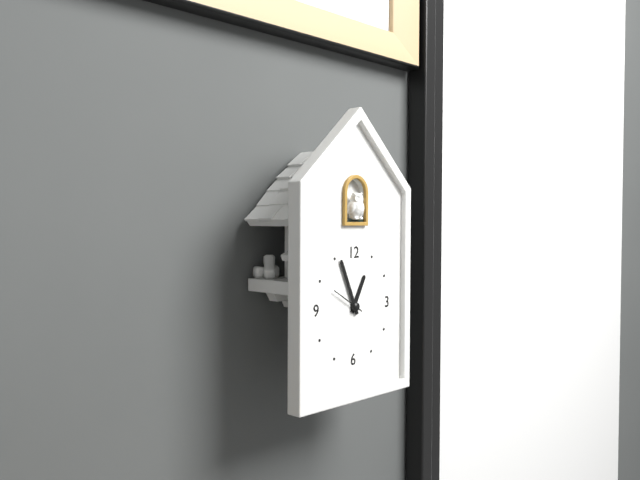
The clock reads 12.56.50
